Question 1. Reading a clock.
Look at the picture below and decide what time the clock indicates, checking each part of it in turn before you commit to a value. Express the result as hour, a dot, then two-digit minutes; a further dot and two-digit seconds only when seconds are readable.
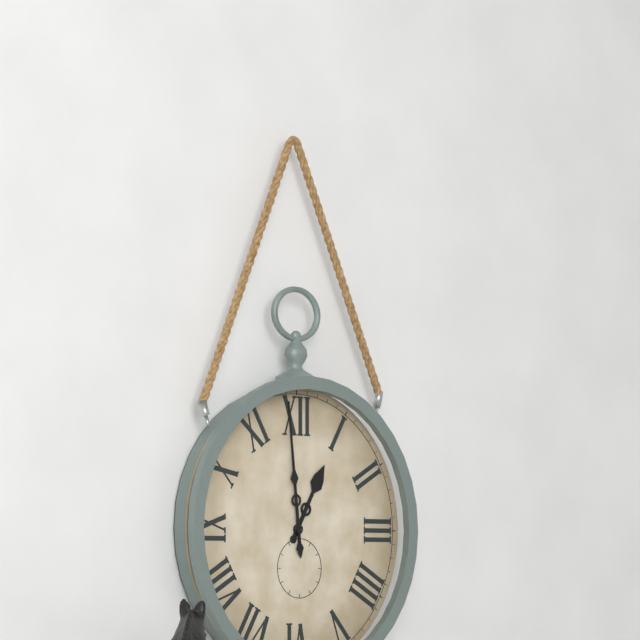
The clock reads 12.59
